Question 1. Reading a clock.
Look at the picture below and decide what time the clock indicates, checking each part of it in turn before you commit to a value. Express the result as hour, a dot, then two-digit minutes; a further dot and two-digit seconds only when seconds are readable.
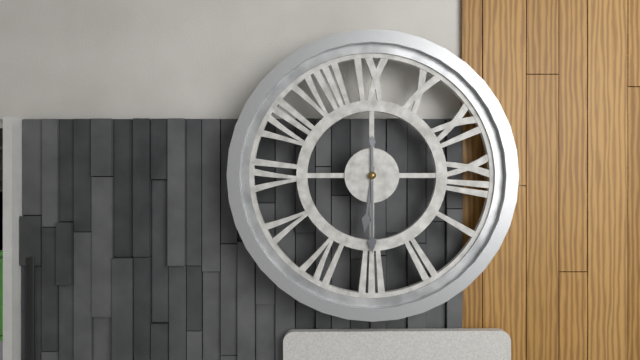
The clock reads 3.15
